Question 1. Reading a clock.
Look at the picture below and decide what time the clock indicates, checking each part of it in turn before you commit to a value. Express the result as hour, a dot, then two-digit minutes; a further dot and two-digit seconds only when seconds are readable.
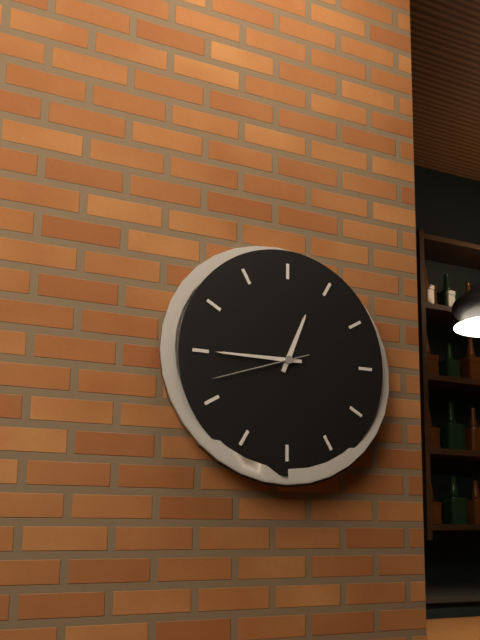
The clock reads 12.45.42
